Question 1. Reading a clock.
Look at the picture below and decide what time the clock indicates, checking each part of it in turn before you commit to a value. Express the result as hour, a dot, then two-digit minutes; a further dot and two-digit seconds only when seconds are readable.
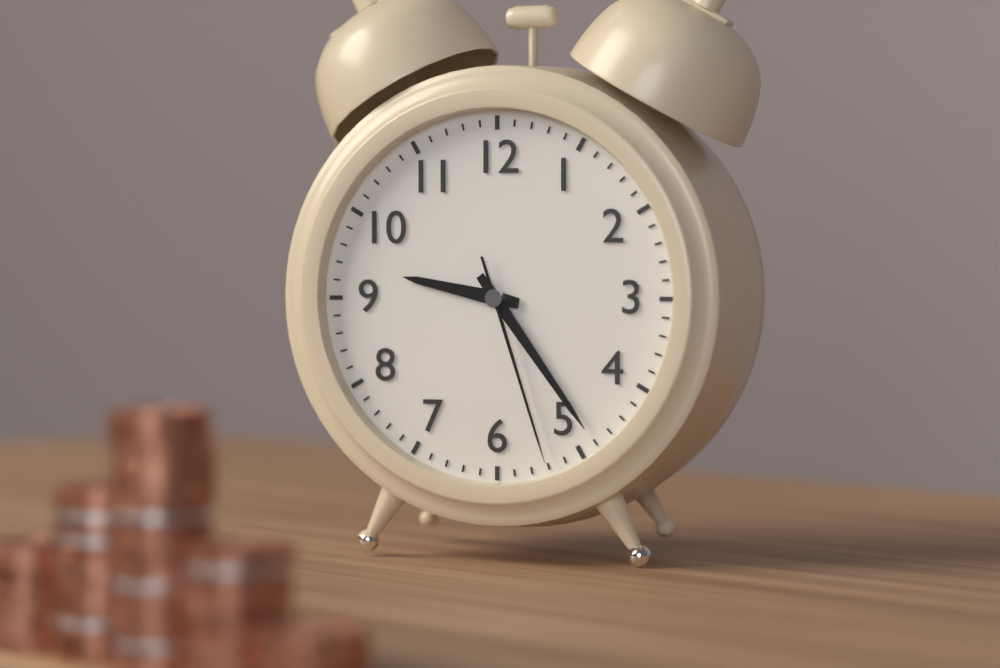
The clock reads 9.24.27
